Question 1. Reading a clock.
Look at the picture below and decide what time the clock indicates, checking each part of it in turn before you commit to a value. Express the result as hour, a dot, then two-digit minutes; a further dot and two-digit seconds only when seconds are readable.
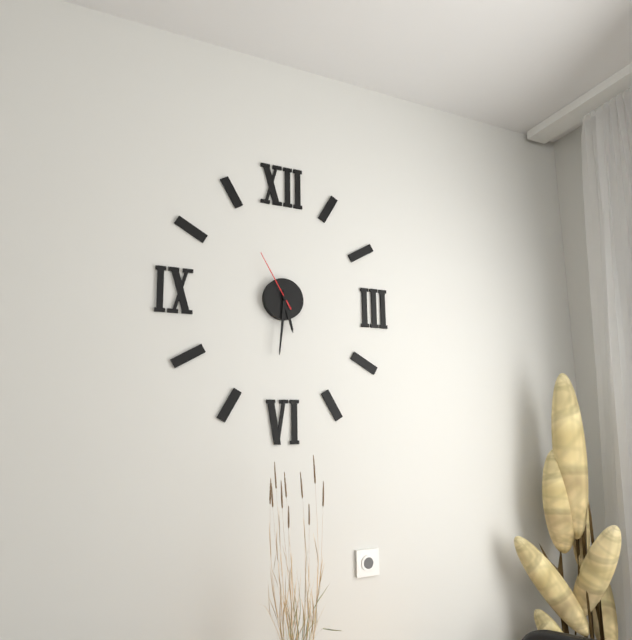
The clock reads 5.31.55
